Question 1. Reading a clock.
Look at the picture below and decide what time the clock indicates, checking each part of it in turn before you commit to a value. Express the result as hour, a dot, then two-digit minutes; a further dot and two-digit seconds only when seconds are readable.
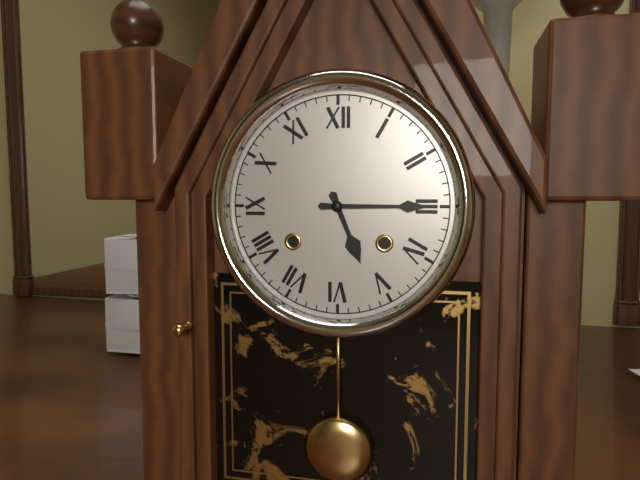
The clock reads 5.15
